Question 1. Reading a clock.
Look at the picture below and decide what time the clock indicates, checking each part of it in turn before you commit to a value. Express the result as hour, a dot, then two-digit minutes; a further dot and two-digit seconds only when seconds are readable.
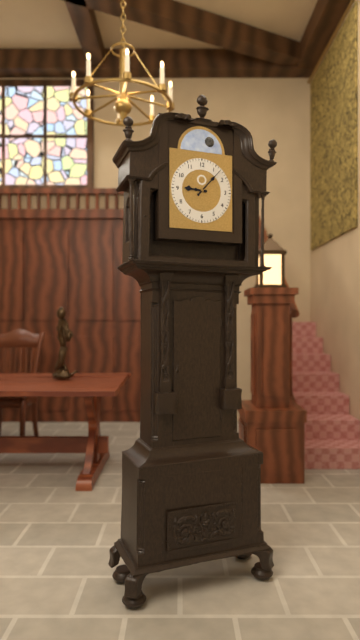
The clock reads 9.07
